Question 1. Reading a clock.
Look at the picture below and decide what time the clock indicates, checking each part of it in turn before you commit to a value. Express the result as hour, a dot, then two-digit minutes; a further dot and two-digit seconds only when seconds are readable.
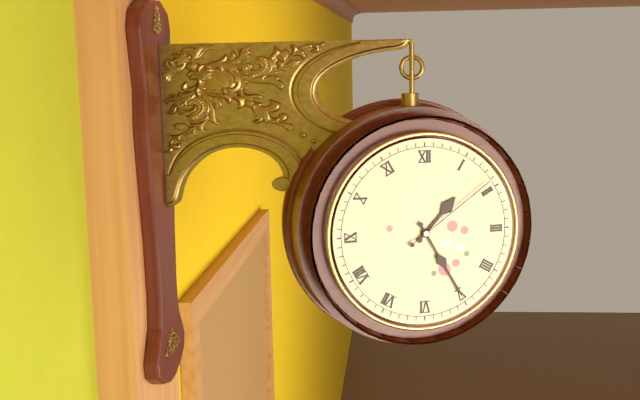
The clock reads 1.25.09
